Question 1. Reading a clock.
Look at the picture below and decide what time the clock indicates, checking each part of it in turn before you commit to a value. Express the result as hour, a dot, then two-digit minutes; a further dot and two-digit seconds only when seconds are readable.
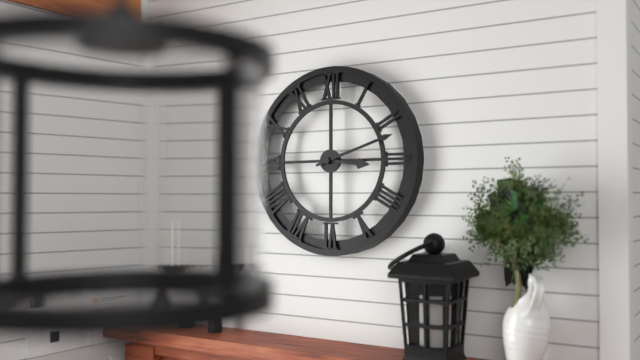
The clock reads 3.12
